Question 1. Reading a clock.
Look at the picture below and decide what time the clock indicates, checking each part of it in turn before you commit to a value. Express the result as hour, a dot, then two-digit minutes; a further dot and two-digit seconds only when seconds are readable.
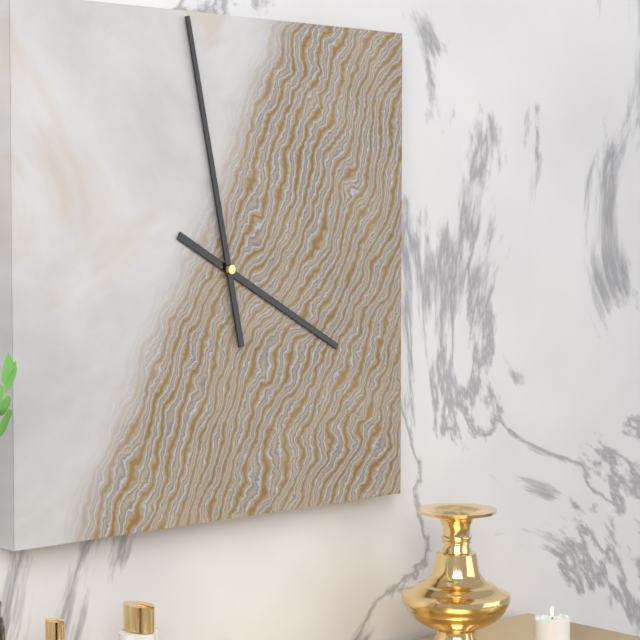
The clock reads 3.58
